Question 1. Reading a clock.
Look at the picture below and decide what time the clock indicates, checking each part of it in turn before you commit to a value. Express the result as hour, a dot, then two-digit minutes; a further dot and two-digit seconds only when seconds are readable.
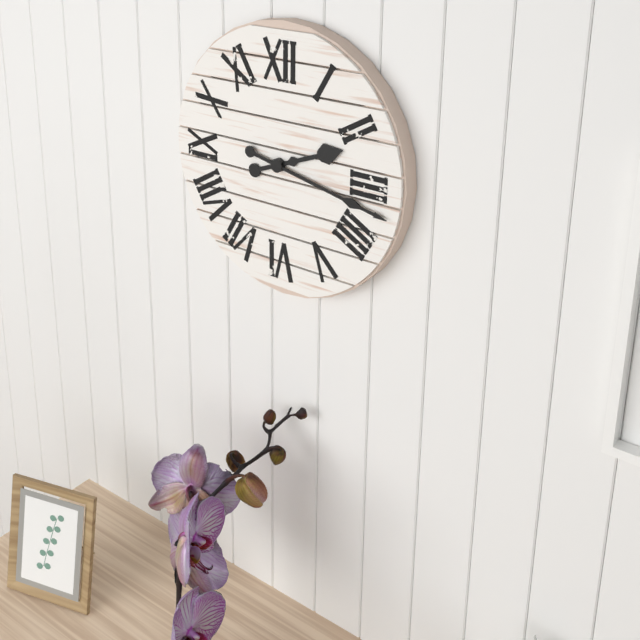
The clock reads 2.17
